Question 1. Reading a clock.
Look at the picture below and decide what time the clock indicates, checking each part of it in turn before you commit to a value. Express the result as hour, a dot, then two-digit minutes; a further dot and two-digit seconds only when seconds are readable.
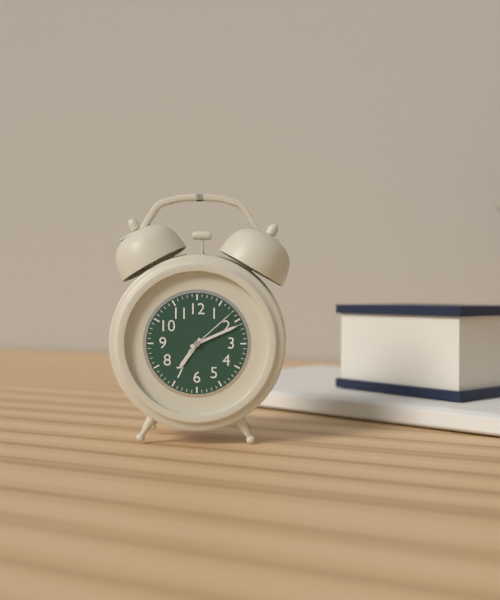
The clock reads 7.11.08
